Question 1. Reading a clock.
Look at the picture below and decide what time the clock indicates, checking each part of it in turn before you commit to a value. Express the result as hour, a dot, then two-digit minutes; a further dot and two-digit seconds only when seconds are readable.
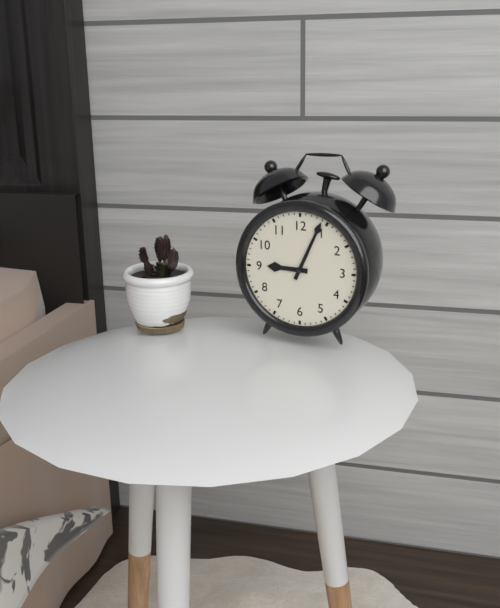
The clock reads 9.04
